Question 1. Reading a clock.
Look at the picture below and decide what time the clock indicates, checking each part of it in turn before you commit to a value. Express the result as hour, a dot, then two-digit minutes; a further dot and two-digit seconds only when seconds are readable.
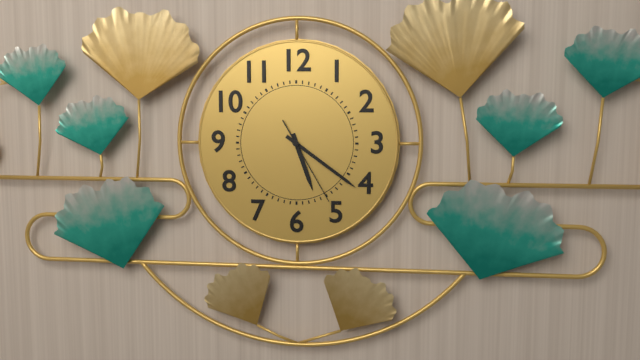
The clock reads 5.21.25
